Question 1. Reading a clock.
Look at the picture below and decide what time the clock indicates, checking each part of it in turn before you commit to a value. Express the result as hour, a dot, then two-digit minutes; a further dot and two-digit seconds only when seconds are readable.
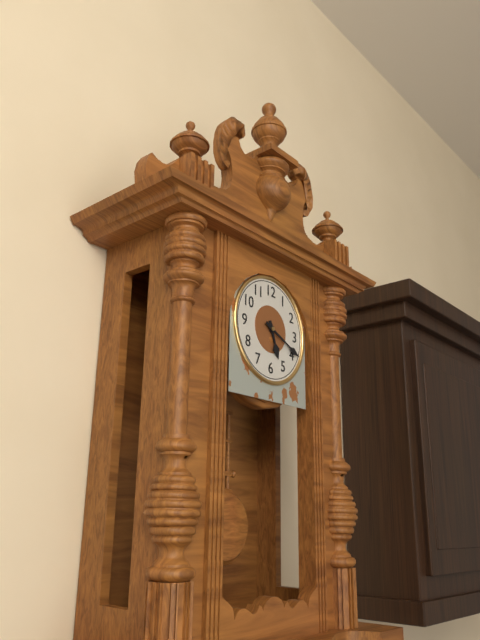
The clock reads 5.19
